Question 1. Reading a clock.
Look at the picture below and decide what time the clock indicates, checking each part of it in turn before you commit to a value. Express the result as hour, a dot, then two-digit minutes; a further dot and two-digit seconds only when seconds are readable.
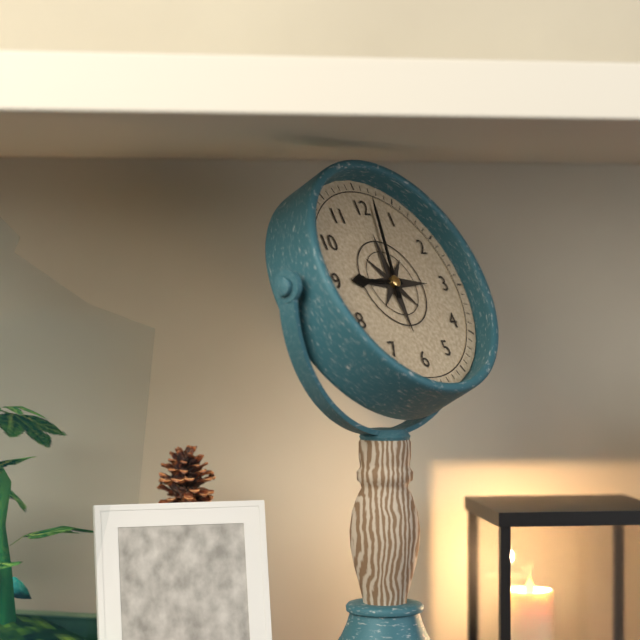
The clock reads 9.02
